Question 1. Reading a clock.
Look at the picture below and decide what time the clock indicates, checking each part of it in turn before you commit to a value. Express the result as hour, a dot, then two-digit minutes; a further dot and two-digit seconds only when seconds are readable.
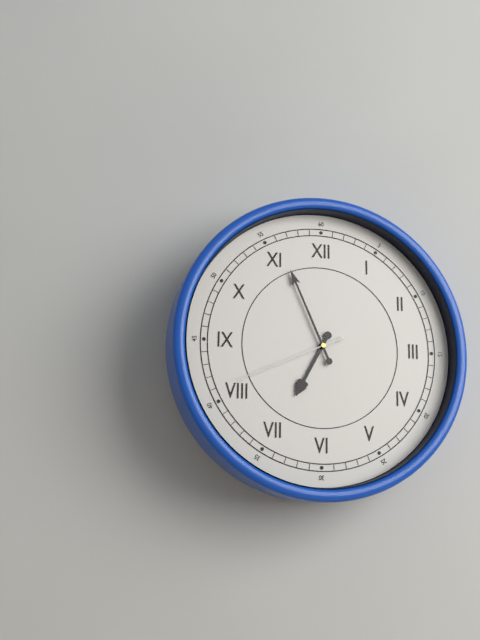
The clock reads 6.56.41
